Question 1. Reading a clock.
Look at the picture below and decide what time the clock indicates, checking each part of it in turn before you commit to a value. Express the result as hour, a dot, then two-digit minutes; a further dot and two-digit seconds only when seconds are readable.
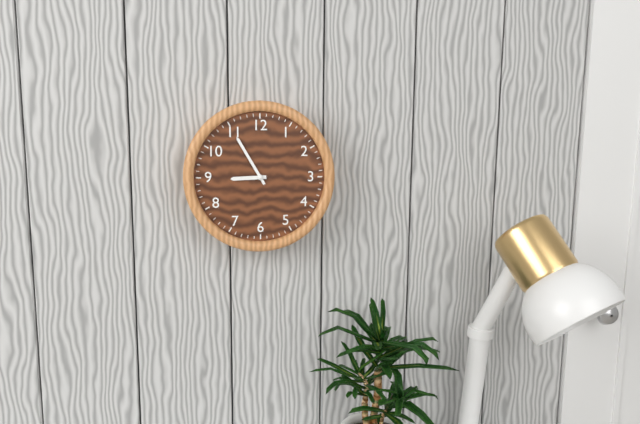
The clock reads 8.55
